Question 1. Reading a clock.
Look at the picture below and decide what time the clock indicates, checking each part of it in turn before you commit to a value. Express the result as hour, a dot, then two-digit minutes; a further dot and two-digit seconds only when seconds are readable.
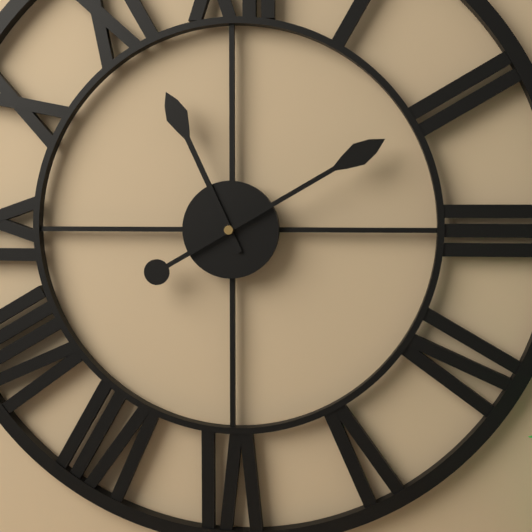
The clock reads 11.10
